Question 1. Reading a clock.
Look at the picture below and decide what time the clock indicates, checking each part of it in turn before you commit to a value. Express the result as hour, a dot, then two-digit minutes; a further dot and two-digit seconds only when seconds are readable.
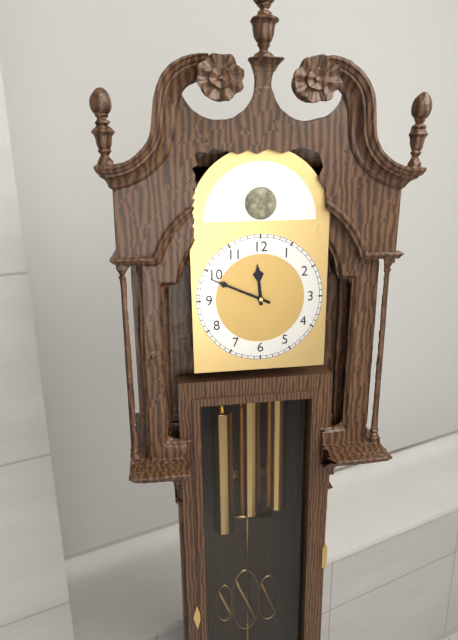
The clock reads 11.49
